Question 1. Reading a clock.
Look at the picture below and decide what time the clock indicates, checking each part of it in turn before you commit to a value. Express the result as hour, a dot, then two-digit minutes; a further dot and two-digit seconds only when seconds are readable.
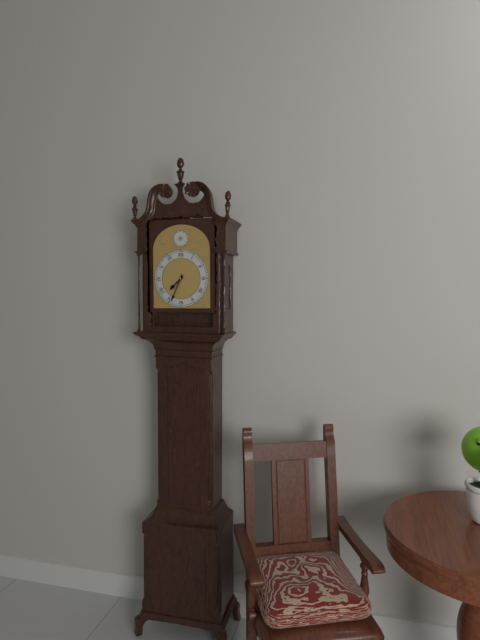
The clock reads 7.34
